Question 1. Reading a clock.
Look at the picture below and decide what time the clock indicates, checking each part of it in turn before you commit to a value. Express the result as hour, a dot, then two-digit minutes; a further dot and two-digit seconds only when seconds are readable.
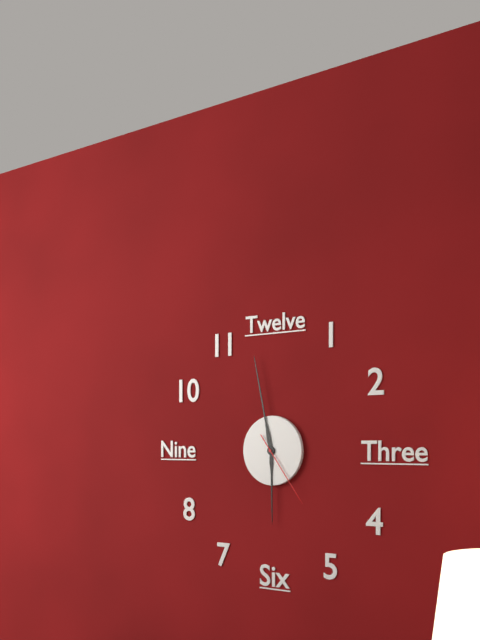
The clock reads 5.58.24
